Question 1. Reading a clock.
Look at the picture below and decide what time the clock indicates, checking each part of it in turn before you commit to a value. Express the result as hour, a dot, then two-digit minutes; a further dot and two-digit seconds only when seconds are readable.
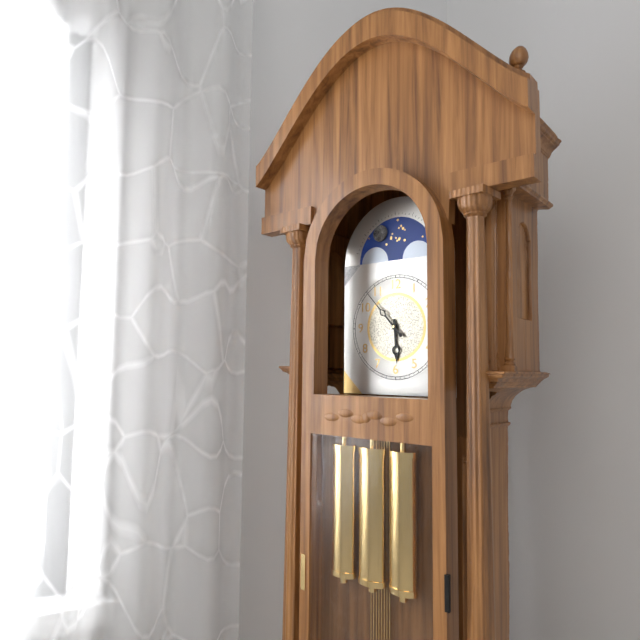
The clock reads 5.53
